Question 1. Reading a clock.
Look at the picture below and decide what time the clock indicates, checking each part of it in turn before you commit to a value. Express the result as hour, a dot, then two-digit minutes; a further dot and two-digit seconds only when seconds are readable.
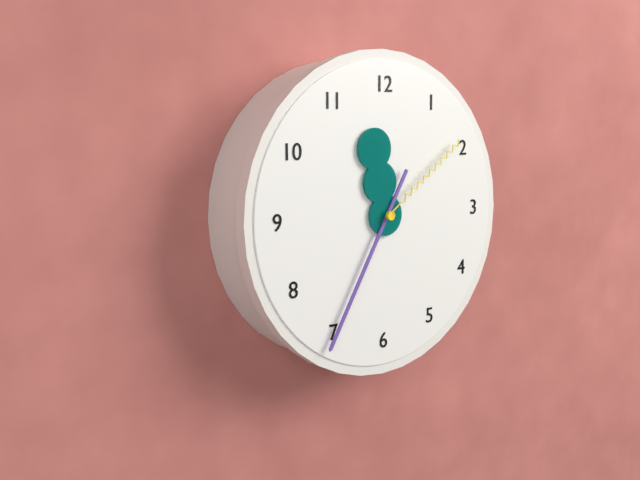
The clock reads 11.35.09
